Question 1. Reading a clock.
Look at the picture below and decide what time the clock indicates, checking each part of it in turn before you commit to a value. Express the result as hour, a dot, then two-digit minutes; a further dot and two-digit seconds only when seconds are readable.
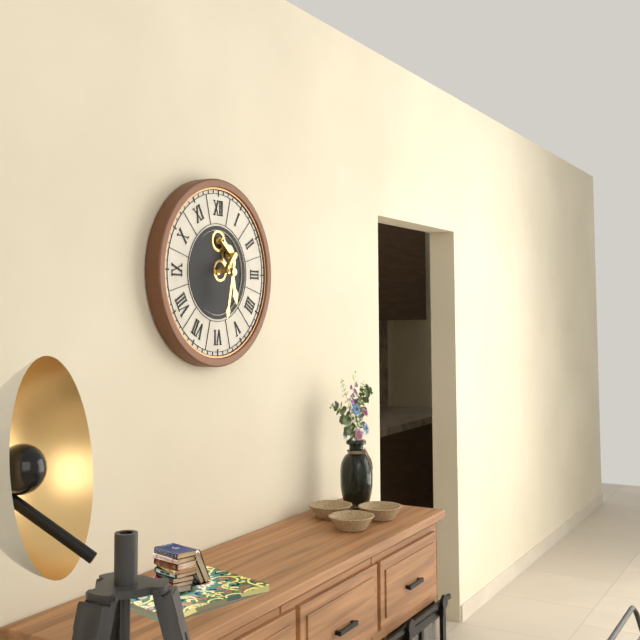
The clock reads 5.32
